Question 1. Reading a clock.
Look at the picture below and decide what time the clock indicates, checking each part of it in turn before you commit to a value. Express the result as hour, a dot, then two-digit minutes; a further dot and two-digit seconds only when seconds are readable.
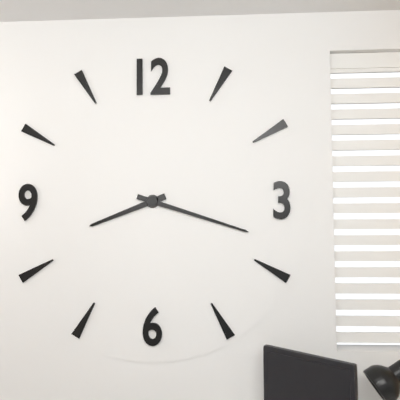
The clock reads 8.18
